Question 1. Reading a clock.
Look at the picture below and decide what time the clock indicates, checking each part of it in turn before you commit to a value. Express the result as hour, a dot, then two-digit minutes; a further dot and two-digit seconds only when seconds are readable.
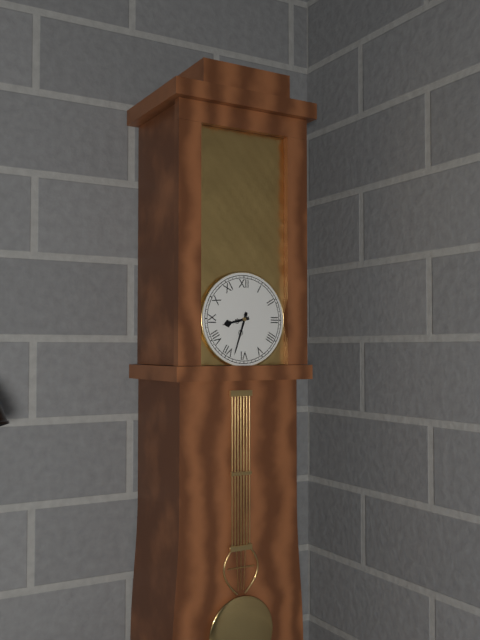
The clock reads 8.33
